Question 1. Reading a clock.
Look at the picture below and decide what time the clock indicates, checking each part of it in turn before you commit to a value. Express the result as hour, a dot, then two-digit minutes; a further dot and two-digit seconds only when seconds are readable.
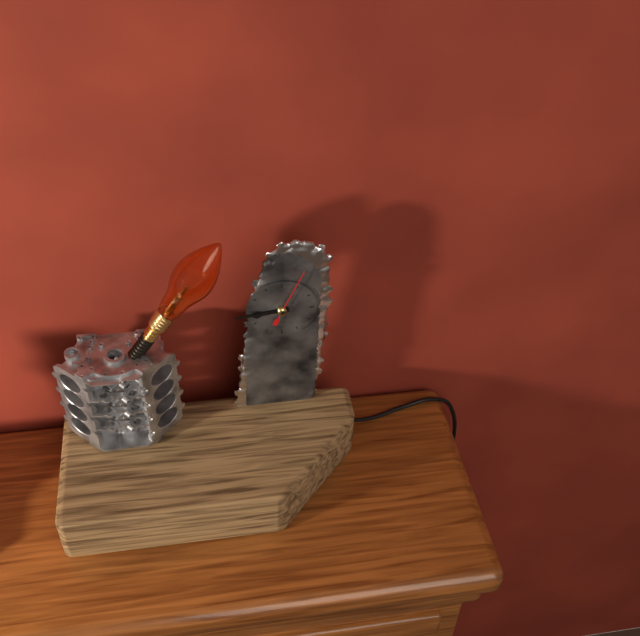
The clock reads 8.44.04
